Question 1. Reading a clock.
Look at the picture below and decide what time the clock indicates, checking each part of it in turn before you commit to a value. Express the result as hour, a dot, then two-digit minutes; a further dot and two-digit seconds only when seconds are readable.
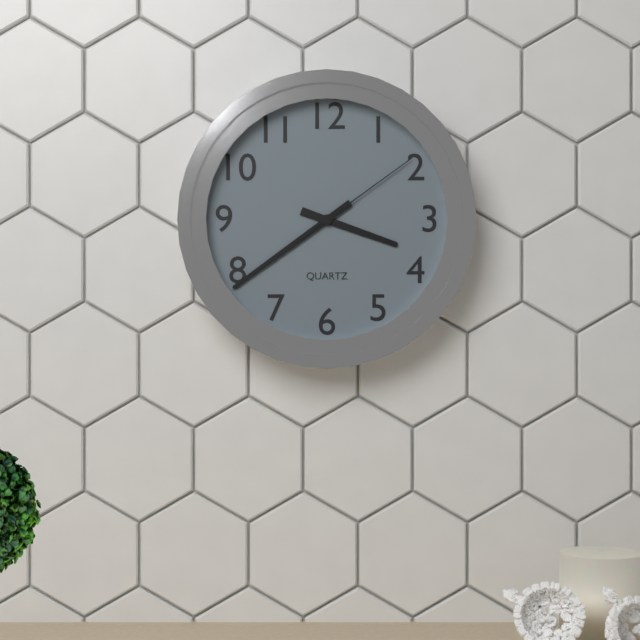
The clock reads 3.39.09
